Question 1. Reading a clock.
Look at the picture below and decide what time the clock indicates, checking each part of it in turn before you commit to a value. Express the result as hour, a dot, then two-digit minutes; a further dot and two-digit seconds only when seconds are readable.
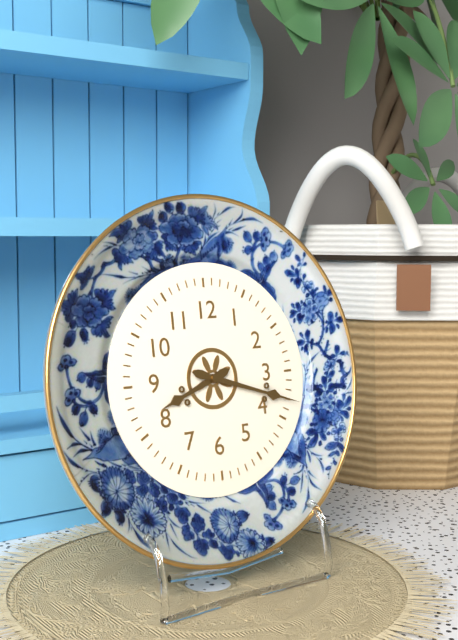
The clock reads 8.18
